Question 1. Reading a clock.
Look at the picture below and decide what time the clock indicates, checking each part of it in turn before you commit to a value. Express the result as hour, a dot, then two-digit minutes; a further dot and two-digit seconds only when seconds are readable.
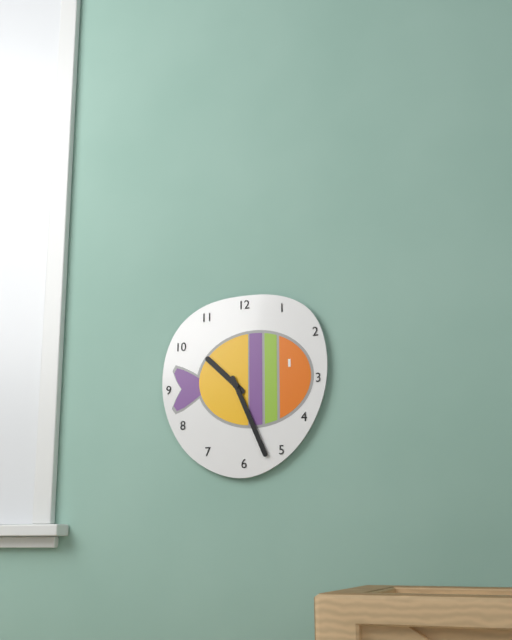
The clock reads 10.26
